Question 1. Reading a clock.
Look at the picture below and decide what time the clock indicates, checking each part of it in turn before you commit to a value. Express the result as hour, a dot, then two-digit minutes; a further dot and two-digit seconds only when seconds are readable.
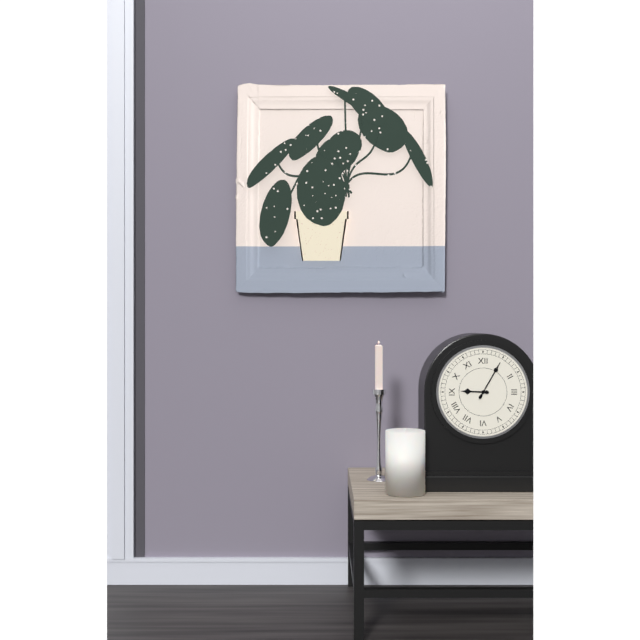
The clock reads 9.05
